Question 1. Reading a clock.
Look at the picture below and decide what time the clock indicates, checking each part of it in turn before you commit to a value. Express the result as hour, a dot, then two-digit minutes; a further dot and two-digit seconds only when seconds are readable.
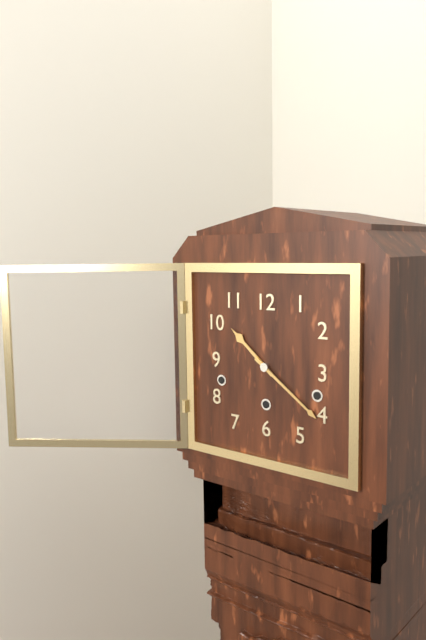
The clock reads 10.21
